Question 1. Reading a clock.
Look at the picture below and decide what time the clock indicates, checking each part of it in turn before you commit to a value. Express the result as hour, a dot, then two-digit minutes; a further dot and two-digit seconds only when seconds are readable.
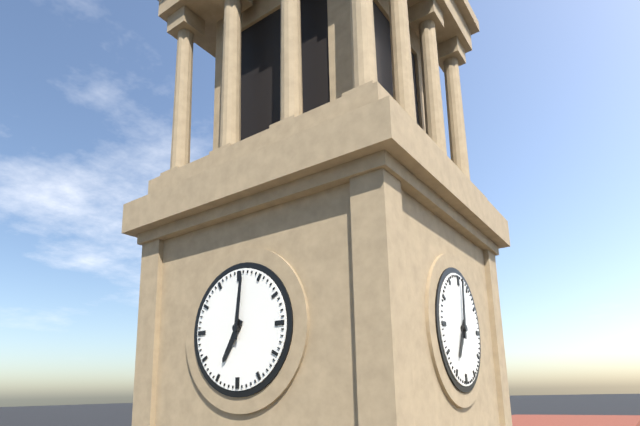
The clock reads 7.01
